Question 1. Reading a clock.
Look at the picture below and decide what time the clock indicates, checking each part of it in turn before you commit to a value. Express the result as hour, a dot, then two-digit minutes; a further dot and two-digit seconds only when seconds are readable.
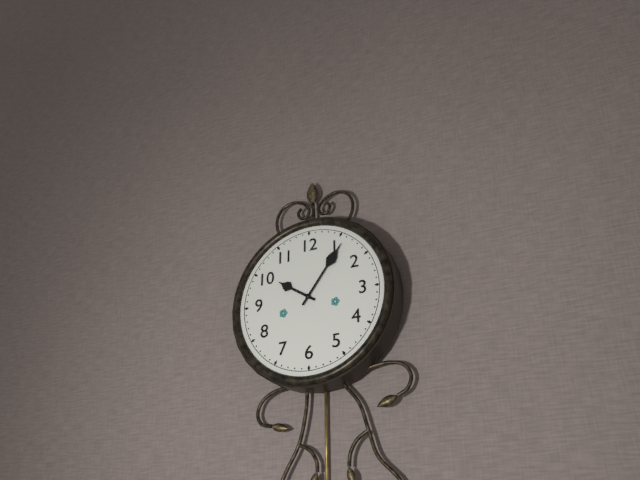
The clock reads 10.06
